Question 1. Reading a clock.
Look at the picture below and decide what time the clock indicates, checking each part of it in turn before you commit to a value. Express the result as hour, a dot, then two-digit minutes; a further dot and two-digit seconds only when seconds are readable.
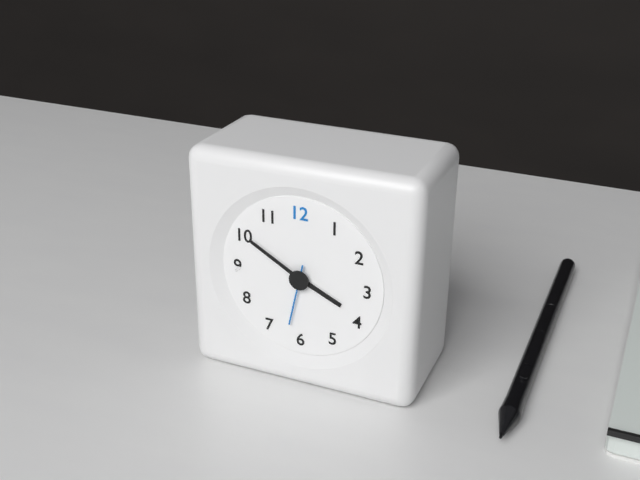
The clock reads 3.50.32
